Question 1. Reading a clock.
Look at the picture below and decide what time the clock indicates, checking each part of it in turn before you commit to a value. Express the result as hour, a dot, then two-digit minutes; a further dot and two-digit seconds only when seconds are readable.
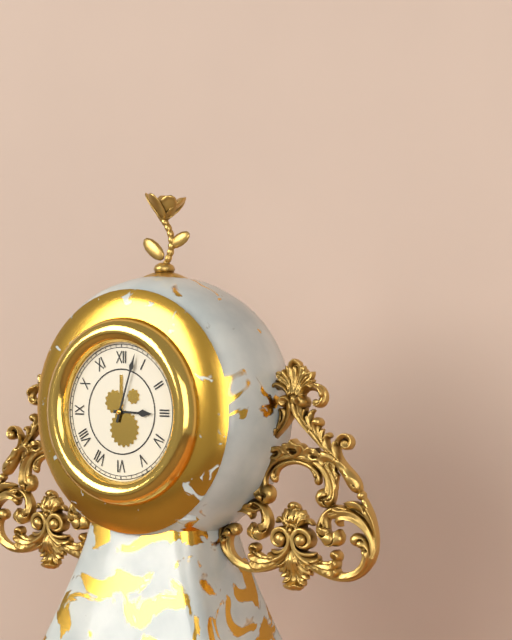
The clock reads 3.03
